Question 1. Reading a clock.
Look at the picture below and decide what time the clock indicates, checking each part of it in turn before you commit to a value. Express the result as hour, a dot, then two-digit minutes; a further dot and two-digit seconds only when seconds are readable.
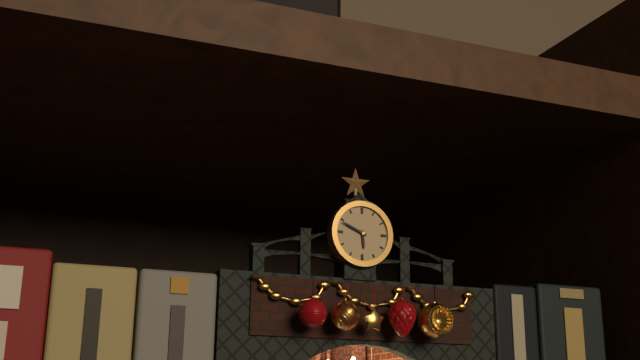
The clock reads 5.49
